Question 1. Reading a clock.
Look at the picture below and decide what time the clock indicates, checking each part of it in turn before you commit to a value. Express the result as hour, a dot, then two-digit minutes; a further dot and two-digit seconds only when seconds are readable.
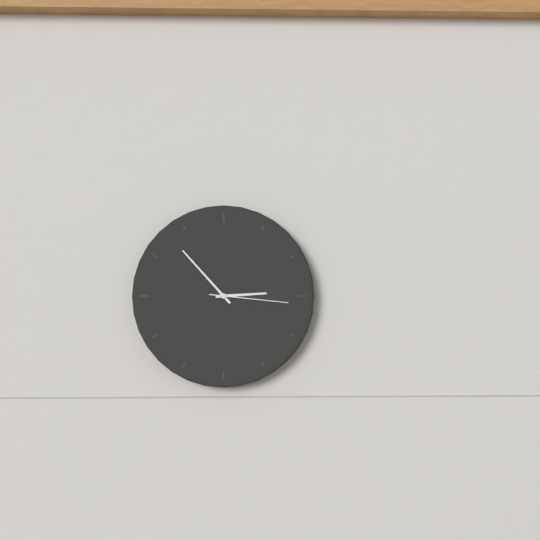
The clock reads 2.53.16
